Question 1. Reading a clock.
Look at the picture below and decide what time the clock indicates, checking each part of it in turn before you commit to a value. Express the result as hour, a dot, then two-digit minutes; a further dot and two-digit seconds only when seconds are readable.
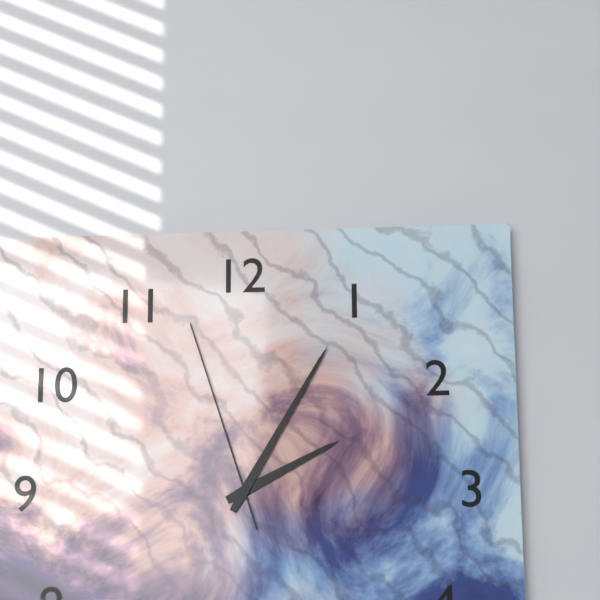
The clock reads 2.05.57
